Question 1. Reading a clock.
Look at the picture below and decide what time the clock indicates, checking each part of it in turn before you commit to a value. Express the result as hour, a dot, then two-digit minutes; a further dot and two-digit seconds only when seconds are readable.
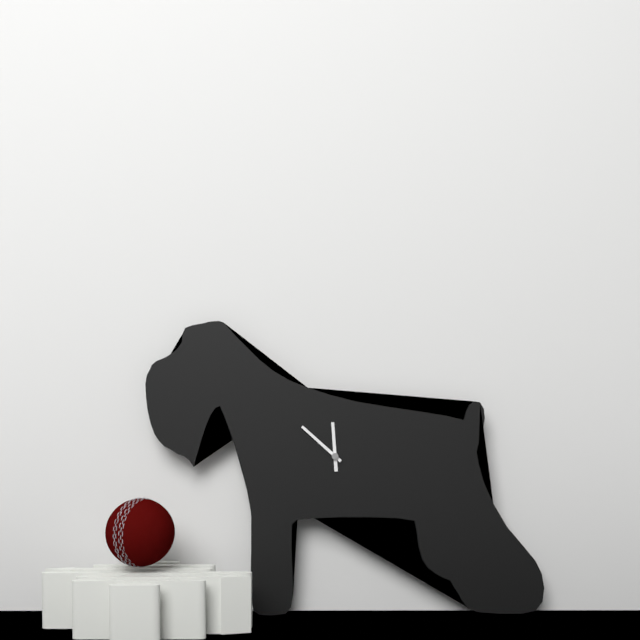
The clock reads 11.52
